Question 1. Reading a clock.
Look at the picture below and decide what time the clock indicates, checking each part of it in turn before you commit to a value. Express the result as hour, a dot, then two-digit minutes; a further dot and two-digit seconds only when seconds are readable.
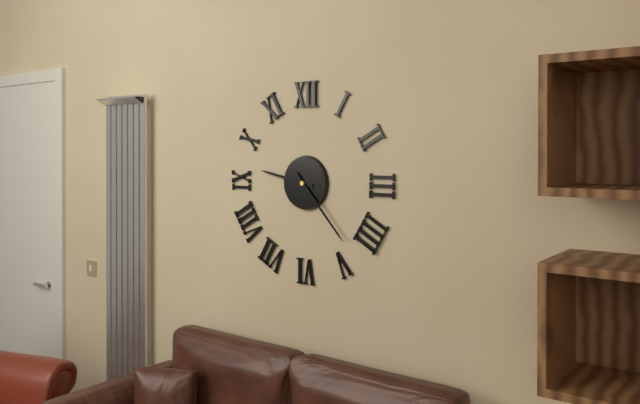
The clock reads 9.23
